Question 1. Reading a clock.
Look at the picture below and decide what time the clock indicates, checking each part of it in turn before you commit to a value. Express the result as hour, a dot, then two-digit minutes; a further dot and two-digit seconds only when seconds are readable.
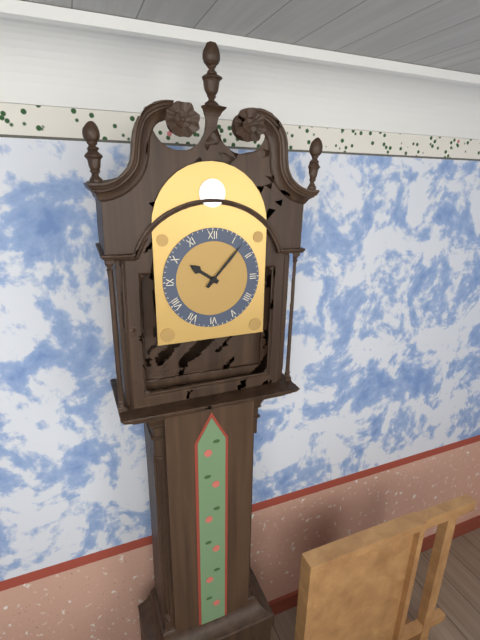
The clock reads 10.07
